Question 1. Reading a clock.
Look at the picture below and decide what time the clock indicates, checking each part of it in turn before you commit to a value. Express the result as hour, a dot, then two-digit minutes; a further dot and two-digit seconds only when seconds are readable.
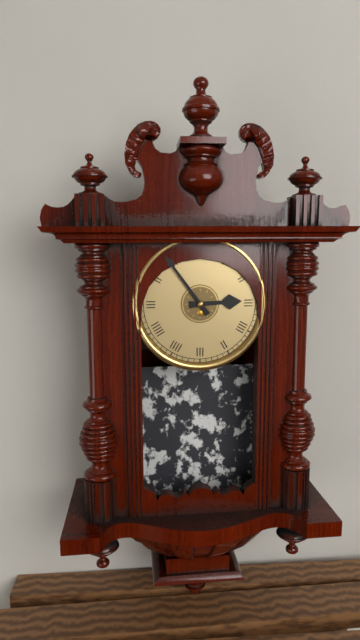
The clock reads 2.54
